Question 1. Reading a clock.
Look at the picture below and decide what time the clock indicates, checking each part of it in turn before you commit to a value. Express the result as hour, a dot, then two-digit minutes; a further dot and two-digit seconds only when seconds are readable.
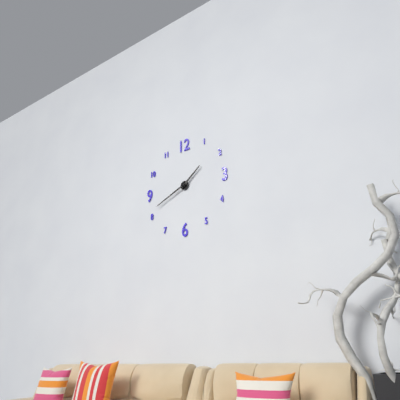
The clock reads 1.41
